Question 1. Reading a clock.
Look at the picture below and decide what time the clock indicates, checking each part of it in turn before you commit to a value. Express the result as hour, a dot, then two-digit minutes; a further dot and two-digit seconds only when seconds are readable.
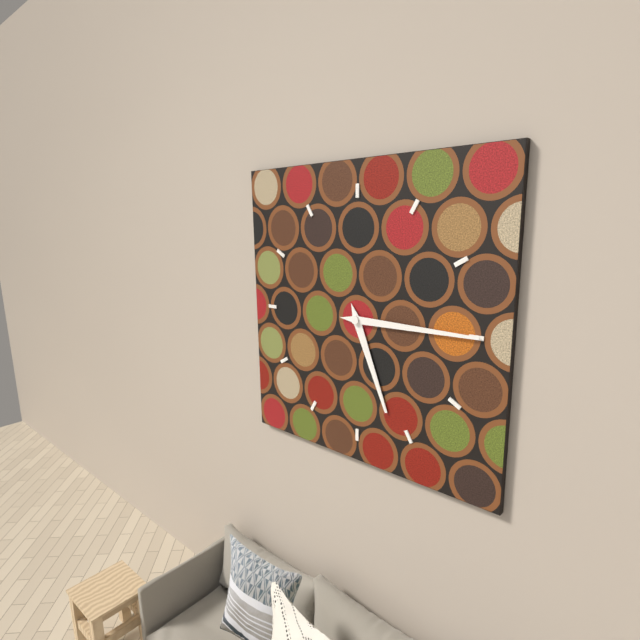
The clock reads 5.15
